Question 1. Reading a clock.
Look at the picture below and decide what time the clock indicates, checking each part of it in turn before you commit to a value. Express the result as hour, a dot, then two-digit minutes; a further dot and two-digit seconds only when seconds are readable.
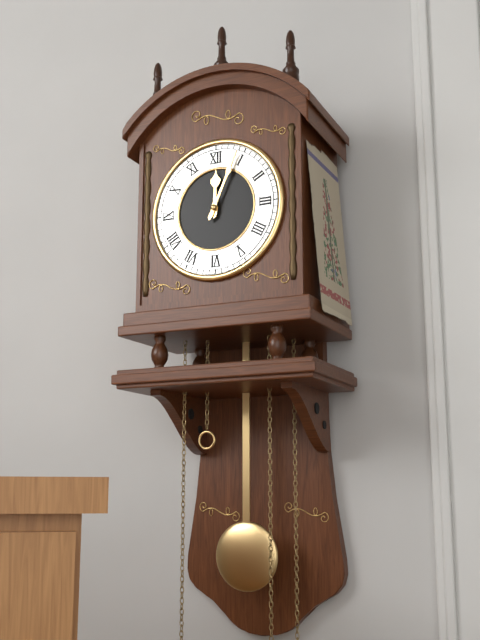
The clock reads 12.04
